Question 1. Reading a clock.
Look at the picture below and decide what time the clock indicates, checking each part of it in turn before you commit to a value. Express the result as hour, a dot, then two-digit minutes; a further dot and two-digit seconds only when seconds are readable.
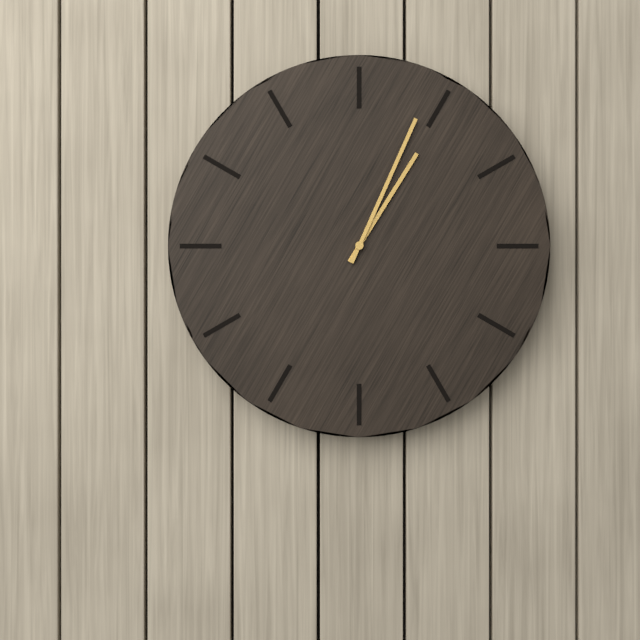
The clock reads 1.04
